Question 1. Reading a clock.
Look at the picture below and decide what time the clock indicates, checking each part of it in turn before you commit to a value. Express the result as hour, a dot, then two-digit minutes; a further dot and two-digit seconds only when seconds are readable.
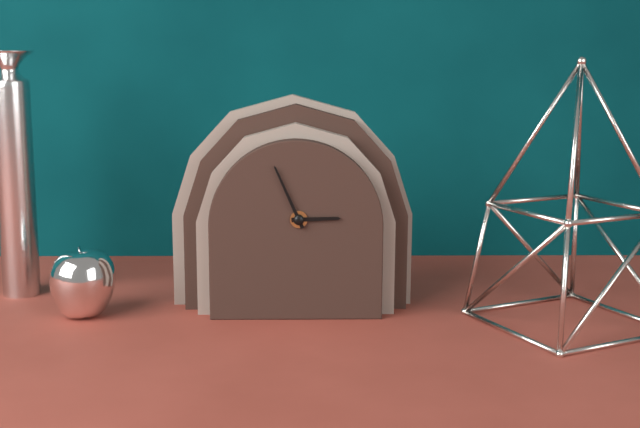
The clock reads 2.56
